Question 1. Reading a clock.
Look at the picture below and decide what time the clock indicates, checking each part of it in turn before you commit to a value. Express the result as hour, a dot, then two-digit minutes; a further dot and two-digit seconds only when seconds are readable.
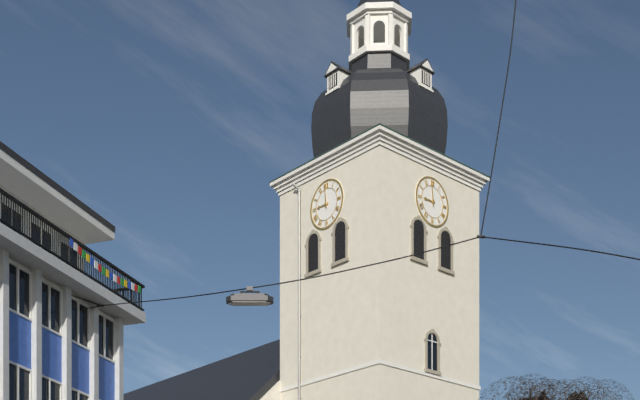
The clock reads 8.59
